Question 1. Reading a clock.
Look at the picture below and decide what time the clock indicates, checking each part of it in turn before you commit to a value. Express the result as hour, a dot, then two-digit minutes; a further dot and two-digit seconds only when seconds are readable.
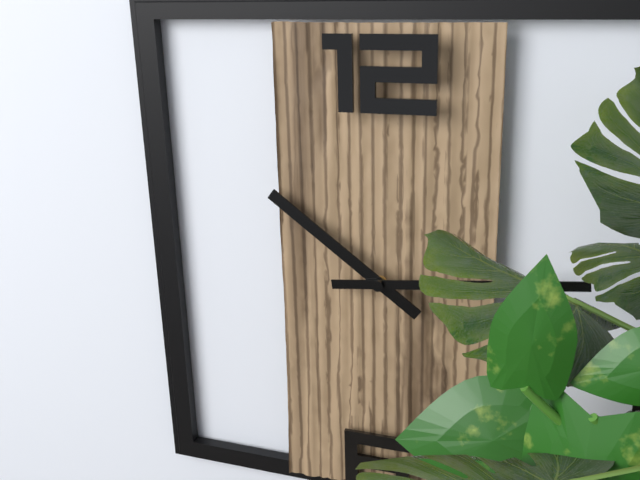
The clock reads 10.14
